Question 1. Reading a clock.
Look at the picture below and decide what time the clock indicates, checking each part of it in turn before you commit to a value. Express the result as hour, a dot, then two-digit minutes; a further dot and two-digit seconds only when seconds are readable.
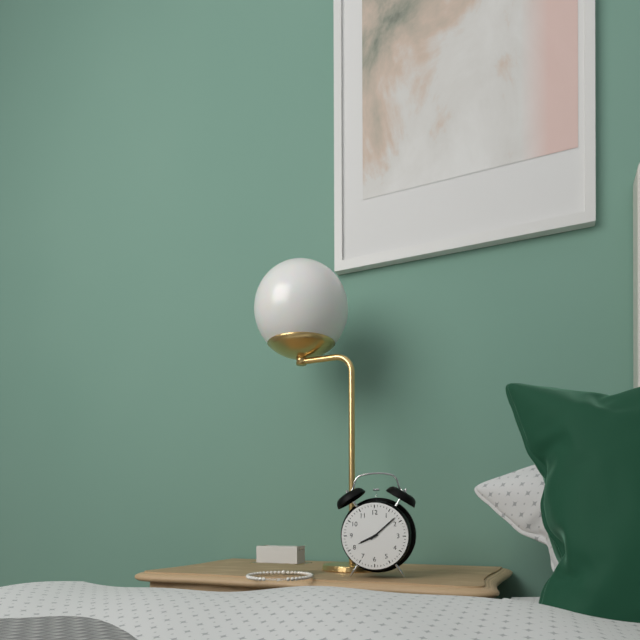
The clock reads 8.08
